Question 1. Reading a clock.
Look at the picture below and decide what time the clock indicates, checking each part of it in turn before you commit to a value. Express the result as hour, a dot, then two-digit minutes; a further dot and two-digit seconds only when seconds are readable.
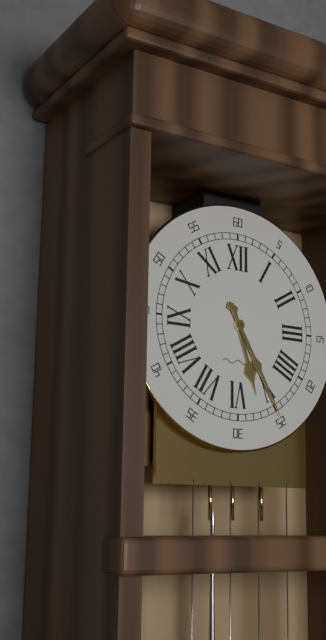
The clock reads 5.25
